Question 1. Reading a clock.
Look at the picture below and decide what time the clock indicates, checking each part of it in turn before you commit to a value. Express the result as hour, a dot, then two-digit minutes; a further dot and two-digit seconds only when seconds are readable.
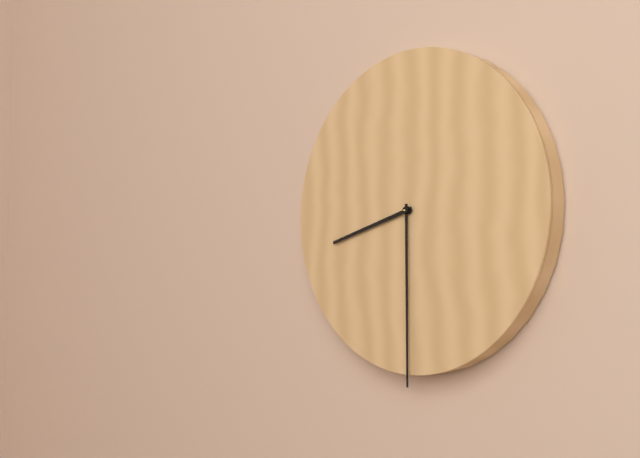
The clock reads 8.30
